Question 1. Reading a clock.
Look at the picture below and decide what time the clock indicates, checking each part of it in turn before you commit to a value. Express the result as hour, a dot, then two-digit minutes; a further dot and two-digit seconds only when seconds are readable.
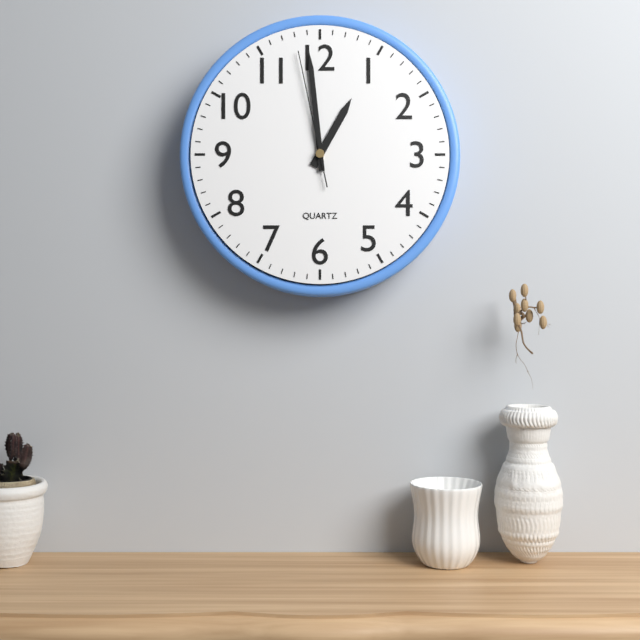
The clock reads 12.59.58
